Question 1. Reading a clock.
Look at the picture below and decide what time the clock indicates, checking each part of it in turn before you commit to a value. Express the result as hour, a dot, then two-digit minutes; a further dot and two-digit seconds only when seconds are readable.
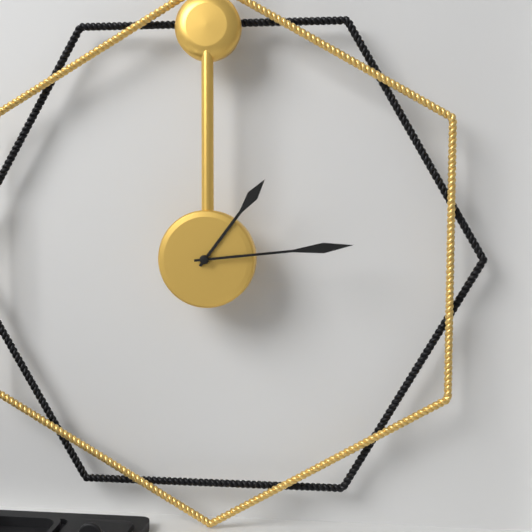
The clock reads 1.14
